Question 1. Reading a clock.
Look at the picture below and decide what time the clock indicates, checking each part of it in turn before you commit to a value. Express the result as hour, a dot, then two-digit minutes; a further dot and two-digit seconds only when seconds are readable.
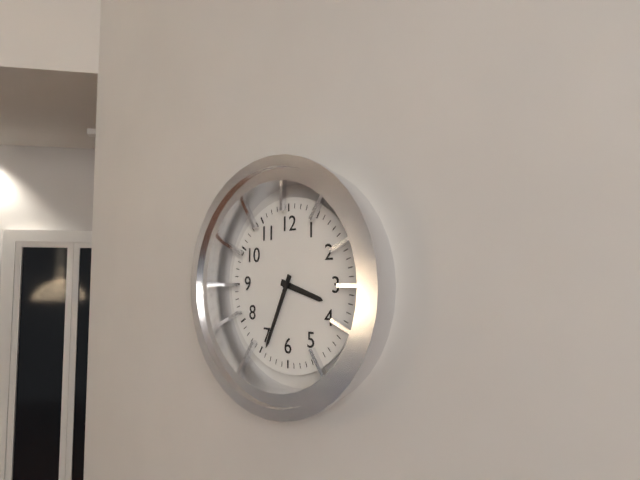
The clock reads 3.34
